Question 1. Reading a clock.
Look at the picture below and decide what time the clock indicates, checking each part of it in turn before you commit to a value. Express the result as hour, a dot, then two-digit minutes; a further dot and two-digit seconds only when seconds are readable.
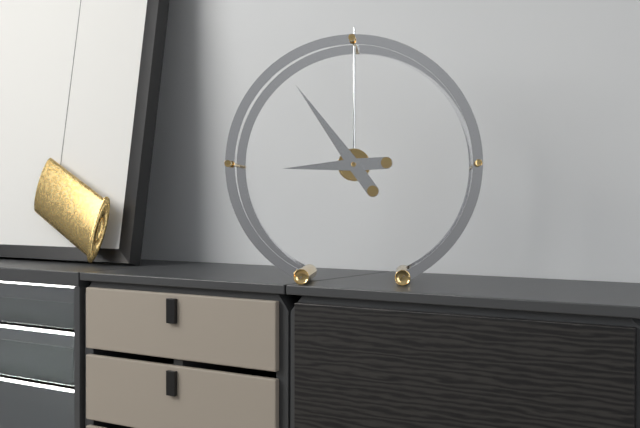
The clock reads 8.54
